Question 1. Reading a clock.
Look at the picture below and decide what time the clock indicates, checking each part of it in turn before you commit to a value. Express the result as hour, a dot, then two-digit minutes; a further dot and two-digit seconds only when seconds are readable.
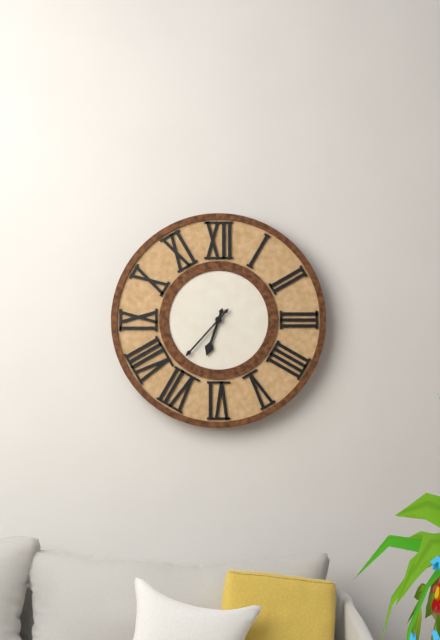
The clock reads 6.37
